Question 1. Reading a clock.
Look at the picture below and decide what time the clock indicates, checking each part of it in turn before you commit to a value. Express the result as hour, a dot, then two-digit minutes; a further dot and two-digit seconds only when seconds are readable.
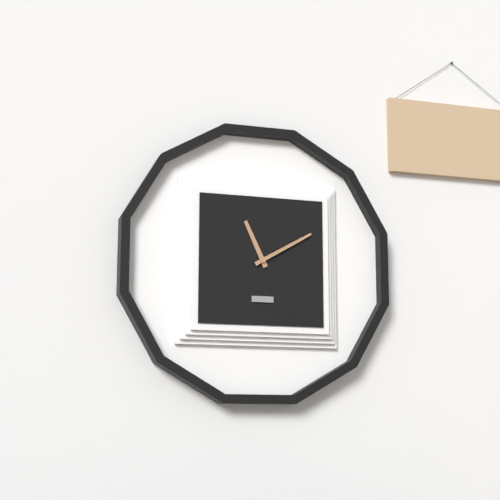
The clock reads 11.10
